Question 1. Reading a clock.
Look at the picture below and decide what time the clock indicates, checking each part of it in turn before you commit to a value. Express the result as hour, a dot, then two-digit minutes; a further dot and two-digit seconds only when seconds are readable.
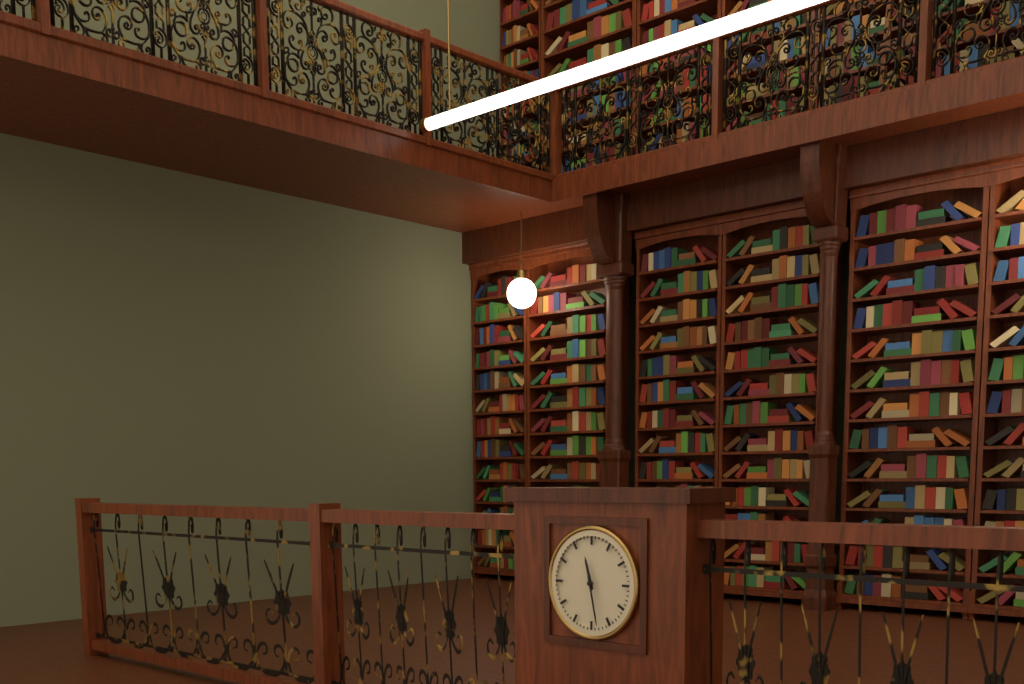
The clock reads 11.28
